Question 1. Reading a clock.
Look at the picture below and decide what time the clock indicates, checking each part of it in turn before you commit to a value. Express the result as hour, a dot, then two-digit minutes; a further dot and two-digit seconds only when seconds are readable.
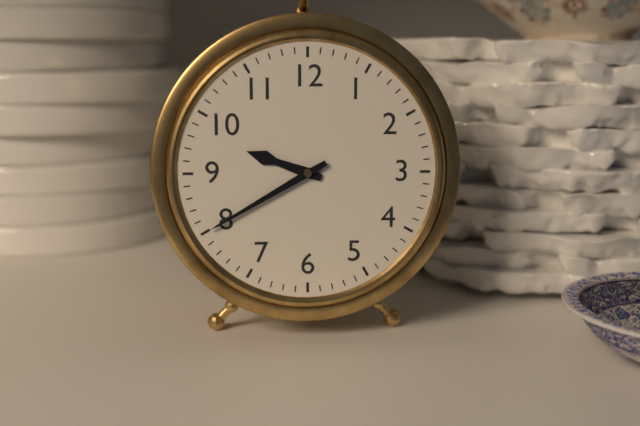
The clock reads 9.40
